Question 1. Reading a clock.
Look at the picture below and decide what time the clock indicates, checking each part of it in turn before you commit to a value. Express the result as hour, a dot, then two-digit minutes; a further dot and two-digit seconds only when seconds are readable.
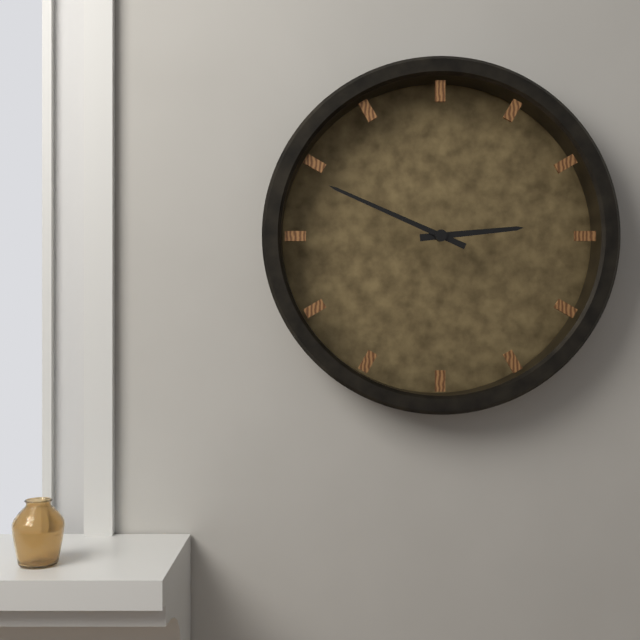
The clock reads 2.49
